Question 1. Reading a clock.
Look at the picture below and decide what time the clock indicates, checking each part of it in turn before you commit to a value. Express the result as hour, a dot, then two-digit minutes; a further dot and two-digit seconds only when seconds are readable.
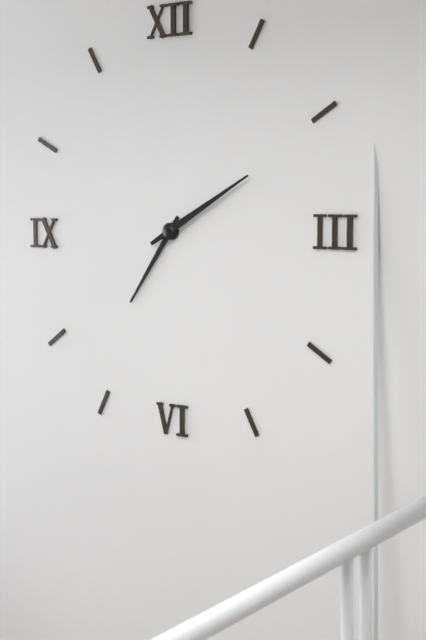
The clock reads 7.10
